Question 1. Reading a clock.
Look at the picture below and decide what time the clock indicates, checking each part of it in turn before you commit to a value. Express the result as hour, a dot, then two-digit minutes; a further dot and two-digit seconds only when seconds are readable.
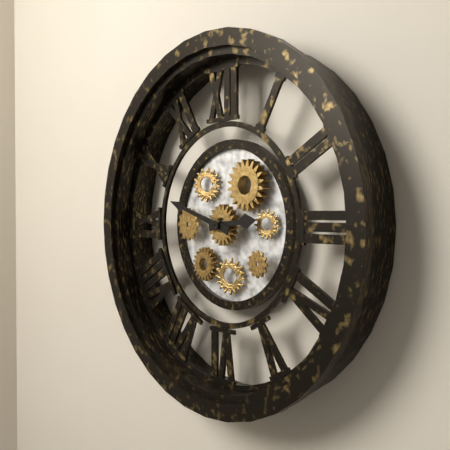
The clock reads 2.48
